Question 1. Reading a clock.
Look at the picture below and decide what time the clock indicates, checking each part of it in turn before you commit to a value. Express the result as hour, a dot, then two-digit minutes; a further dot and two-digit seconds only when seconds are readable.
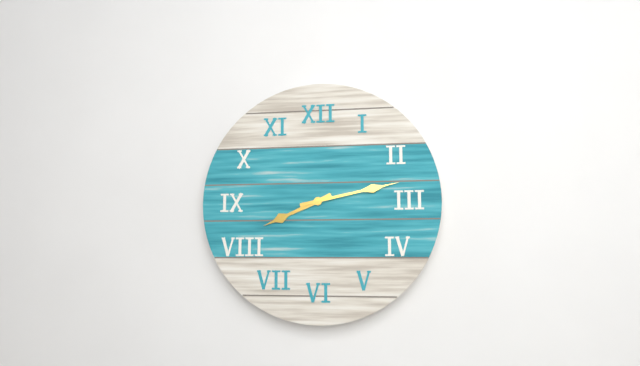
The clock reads 8.13
